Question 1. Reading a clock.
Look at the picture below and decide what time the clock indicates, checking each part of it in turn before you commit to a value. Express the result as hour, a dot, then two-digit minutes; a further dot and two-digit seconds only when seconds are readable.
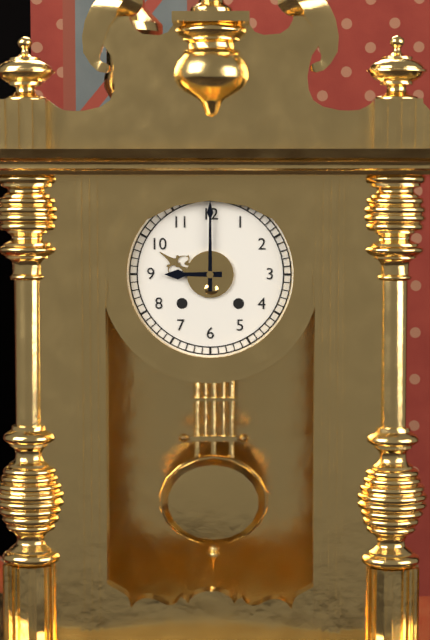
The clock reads 9.00
